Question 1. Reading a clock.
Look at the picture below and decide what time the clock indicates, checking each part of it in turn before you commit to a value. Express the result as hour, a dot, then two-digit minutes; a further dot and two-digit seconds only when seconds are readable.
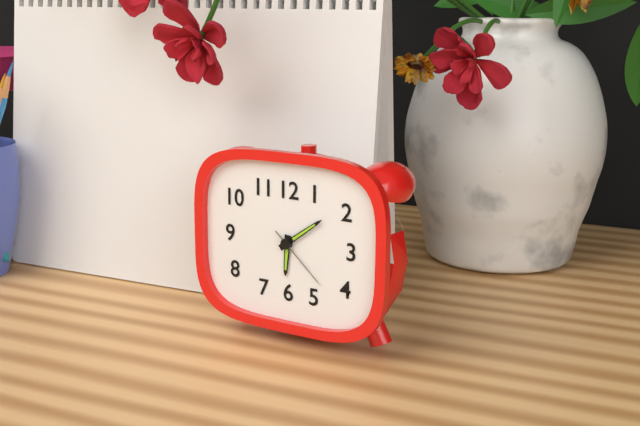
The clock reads 6.09.22
